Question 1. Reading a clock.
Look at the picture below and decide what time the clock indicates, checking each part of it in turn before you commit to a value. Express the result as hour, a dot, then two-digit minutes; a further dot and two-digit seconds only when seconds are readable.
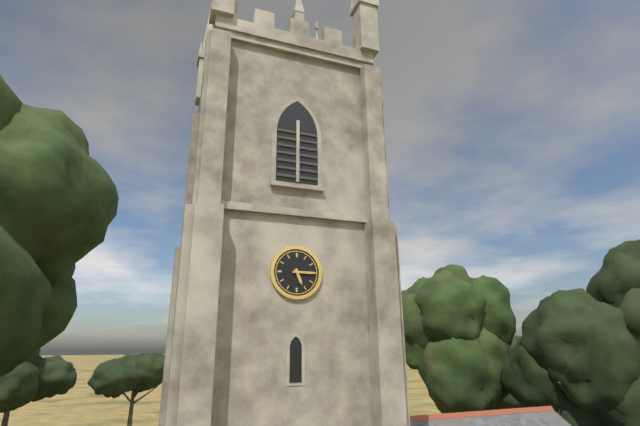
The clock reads 5.15
